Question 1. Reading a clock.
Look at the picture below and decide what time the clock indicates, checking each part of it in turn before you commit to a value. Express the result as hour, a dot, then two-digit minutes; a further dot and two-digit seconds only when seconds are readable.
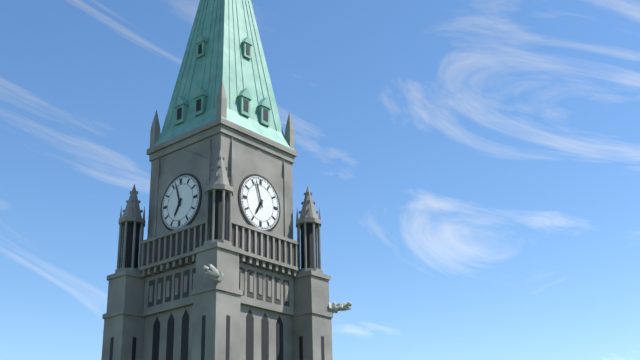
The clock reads 6.57
